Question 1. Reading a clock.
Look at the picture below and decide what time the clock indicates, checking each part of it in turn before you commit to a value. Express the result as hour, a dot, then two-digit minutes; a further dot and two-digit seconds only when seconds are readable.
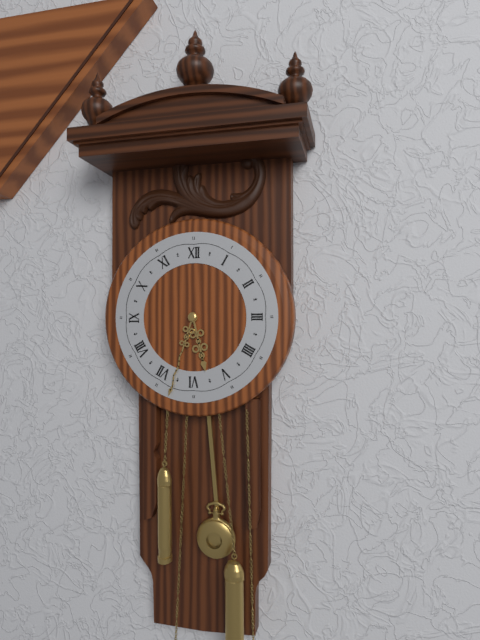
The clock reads 5.33
